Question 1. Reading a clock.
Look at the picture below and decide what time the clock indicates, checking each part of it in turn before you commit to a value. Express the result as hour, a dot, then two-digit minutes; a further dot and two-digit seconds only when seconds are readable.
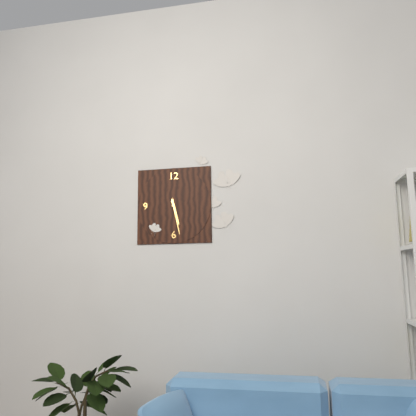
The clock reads 5.28
